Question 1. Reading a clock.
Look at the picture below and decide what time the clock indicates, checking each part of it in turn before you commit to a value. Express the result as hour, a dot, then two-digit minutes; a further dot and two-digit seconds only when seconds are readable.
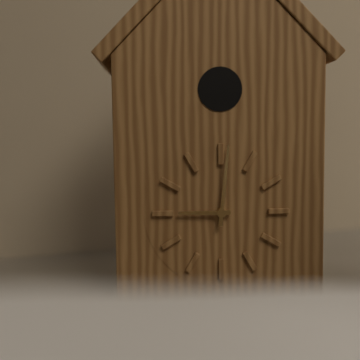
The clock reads 9.01
